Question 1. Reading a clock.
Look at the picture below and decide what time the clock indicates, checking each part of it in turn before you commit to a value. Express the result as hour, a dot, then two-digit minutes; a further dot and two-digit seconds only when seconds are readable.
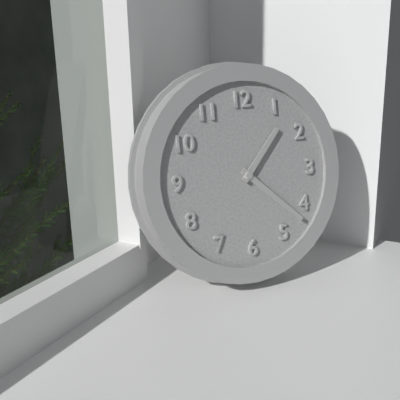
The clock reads 1.22
